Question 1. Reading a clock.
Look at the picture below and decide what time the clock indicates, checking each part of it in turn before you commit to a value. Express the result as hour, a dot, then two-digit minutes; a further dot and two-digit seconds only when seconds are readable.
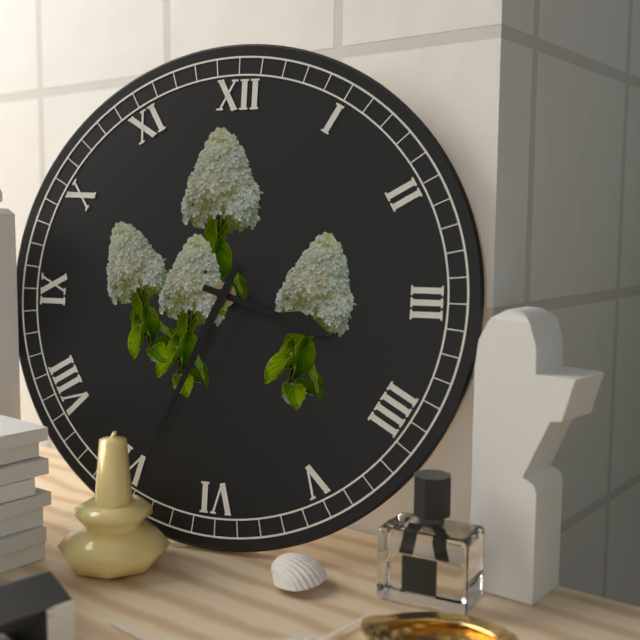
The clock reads 3.34
